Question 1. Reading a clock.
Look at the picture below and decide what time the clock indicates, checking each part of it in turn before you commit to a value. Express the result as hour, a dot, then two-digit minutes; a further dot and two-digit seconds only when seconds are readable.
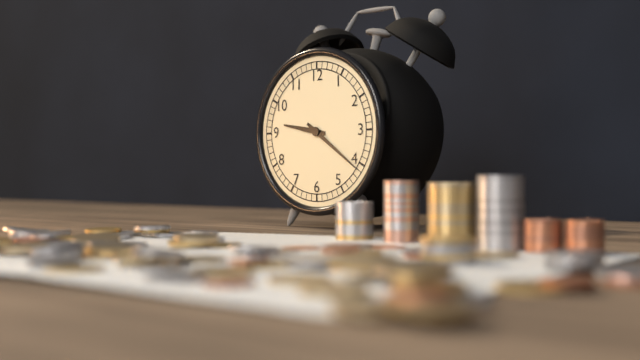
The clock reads 9.21
